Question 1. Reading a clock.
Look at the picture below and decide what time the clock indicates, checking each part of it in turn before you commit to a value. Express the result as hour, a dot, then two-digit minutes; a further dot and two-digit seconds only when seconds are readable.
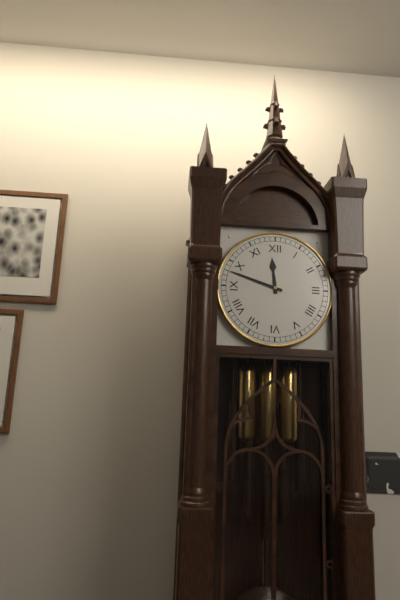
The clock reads 11.48
